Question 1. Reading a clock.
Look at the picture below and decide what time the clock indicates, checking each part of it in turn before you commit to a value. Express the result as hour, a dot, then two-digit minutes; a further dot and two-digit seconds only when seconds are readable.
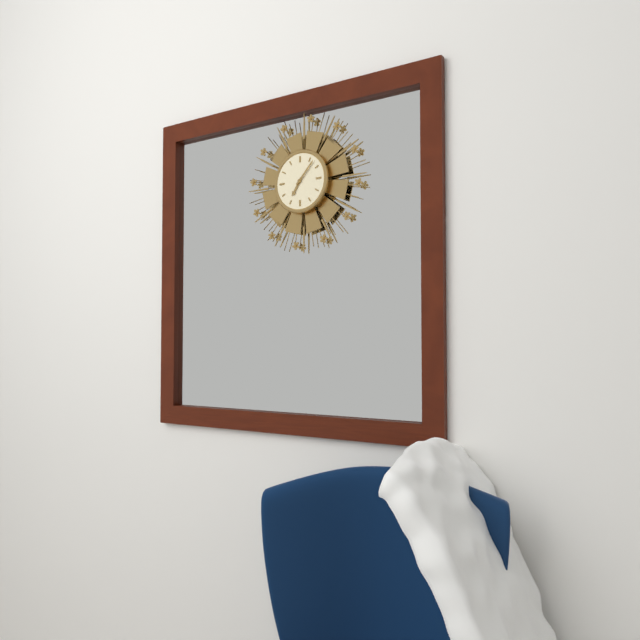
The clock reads 7.07
